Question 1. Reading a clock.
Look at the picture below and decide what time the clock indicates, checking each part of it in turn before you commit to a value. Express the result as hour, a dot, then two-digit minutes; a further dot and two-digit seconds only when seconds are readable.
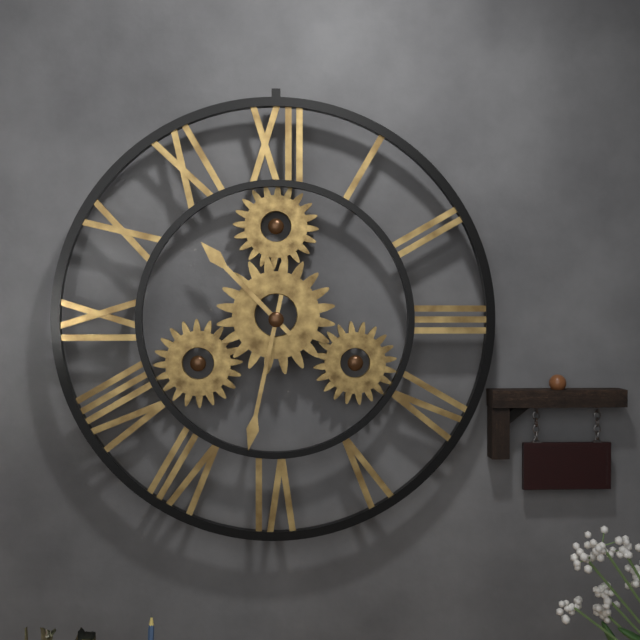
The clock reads 10.32
